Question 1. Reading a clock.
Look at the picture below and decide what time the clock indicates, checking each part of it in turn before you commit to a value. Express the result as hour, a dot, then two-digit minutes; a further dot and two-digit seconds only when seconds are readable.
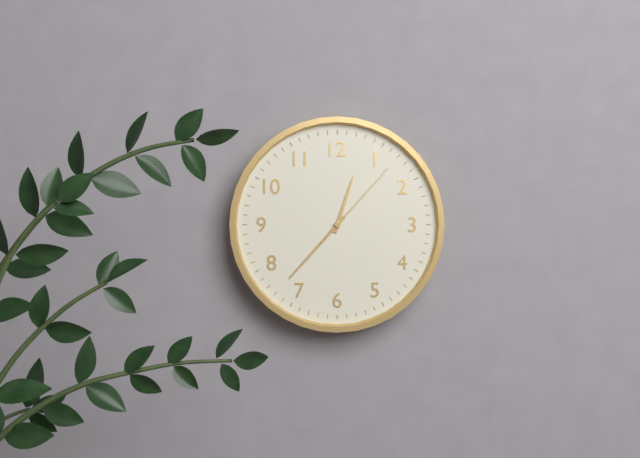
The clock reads 12.37.07
